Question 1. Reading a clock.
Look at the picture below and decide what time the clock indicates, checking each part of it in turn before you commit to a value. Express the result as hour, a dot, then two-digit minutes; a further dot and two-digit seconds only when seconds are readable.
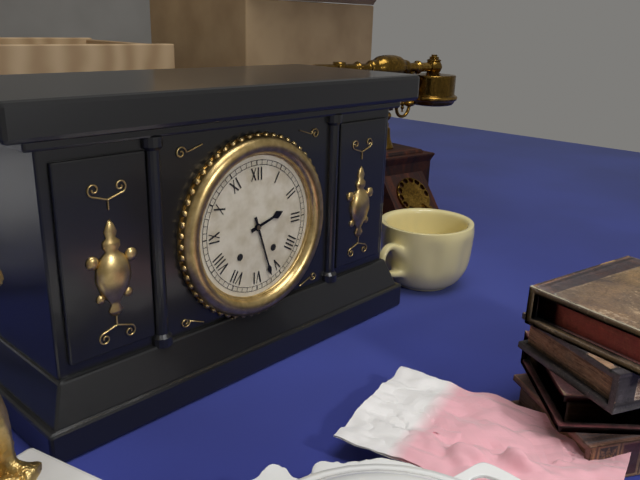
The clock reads 2.27
